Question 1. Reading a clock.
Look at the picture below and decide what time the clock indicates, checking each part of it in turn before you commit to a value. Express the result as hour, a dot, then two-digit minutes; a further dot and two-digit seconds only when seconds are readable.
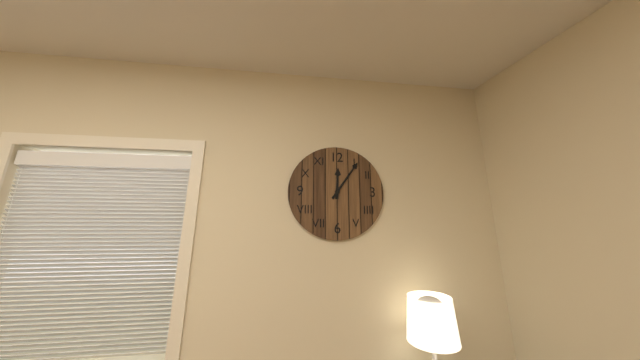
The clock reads 12.06
